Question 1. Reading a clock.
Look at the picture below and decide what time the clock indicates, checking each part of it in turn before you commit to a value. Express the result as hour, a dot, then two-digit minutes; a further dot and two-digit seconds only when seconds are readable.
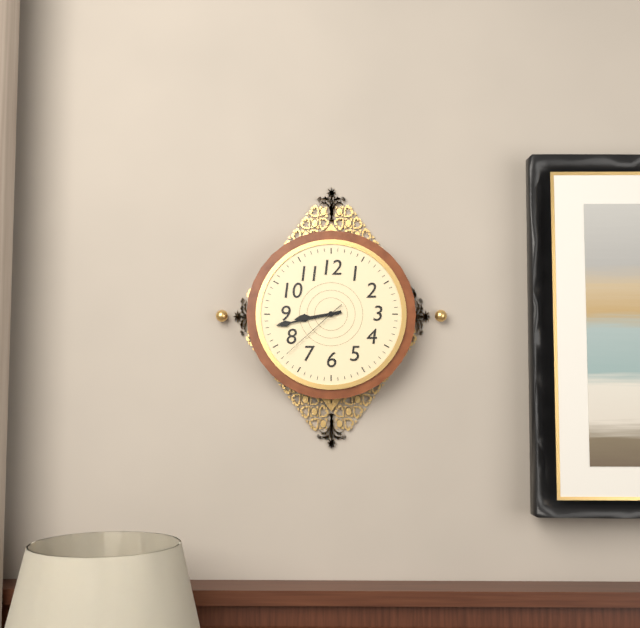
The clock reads 8.43.38
